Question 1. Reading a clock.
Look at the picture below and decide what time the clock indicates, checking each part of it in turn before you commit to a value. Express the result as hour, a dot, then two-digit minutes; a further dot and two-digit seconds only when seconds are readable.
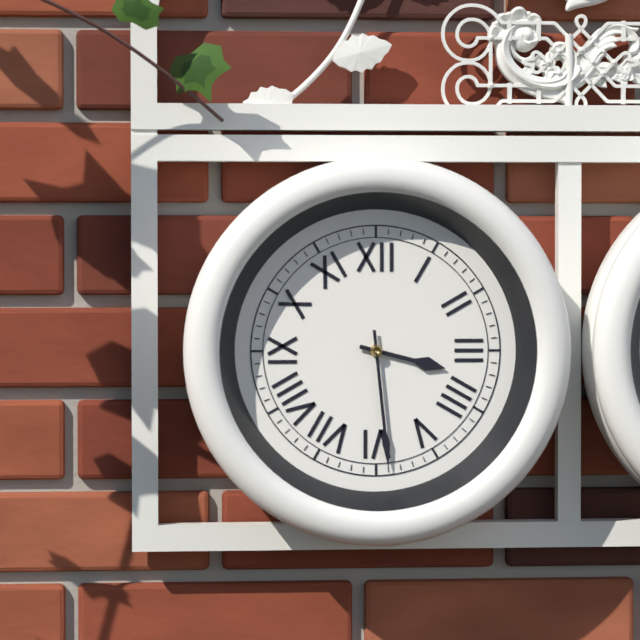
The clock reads 3.29
